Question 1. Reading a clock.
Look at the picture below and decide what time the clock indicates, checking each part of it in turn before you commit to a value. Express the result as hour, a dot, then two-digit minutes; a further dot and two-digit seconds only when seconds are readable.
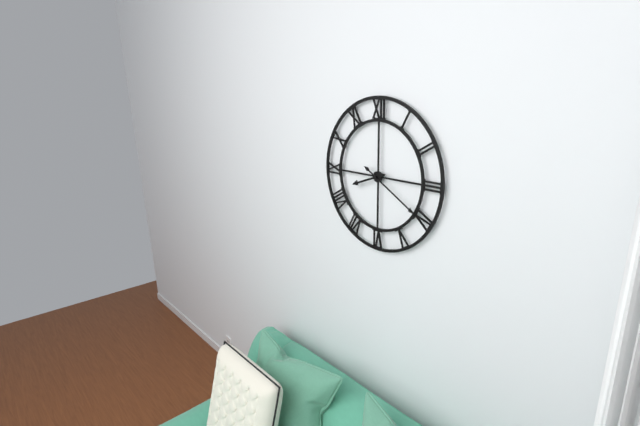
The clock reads 8.20
